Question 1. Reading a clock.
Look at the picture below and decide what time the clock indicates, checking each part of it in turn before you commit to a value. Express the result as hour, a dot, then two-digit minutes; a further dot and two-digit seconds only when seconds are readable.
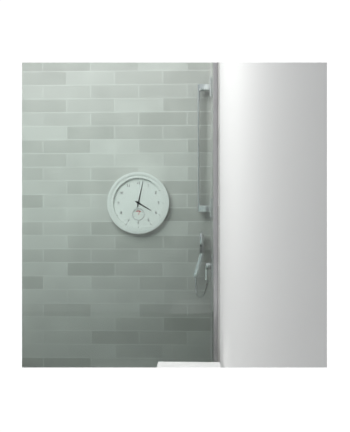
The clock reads 4.02
